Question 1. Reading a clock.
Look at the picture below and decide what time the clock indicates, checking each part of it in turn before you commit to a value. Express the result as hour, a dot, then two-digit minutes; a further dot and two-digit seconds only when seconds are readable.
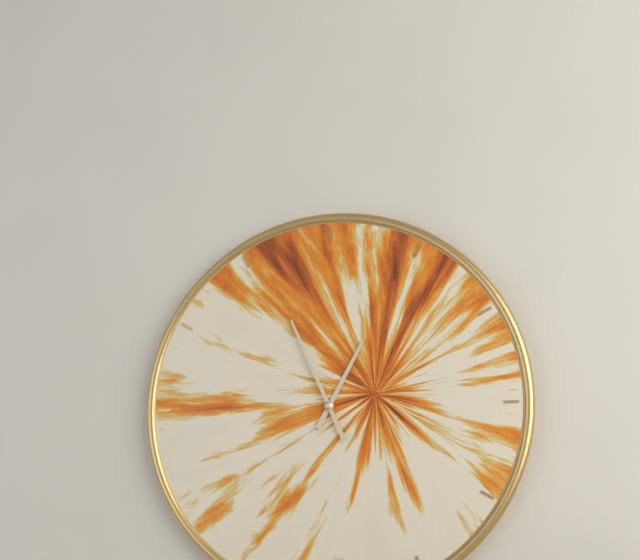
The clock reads 12.56
